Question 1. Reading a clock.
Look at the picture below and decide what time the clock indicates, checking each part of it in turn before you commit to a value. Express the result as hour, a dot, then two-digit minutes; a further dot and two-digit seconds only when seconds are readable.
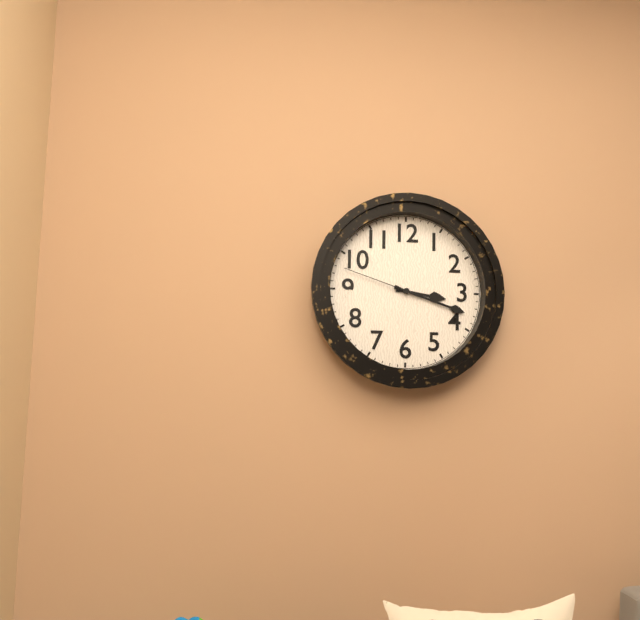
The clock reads 3.18.48
